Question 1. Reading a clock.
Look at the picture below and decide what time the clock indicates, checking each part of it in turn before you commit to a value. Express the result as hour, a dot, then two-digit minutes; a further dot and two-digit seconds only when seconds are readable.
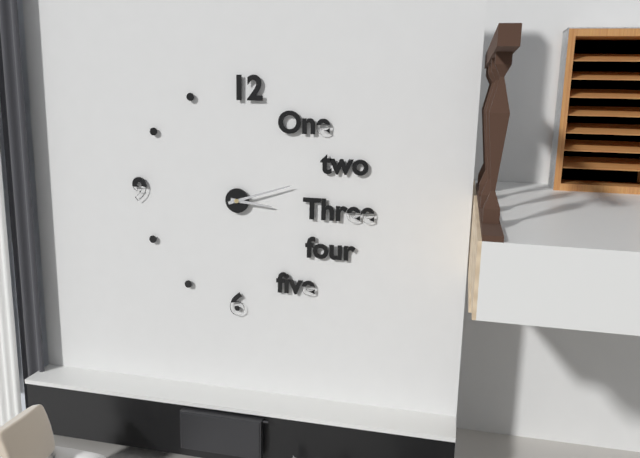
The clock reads 3.12
